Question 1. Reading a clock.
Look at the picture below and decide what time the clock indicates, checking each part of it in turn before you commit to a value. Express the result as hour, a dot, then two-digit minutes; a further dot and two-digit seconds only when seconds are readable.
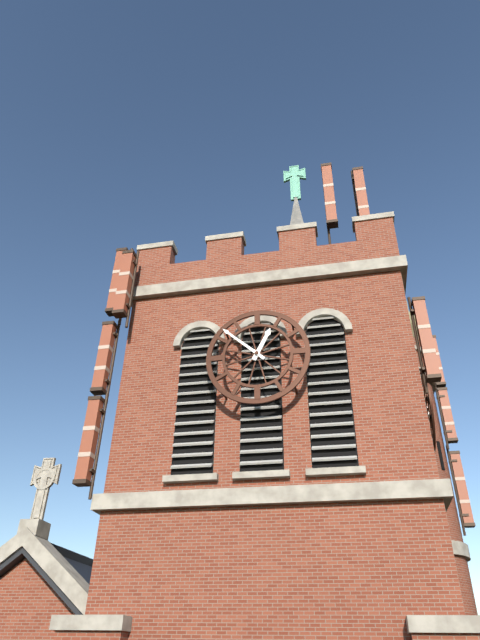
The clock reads 12.52
